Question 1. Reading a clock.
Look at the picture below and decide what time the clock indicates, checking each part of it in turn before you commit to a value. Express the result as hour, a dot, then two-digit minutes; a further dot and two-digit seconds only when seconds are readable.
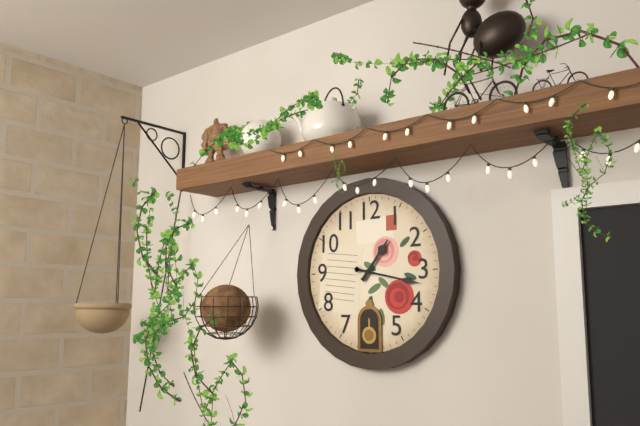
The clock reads 1.17
